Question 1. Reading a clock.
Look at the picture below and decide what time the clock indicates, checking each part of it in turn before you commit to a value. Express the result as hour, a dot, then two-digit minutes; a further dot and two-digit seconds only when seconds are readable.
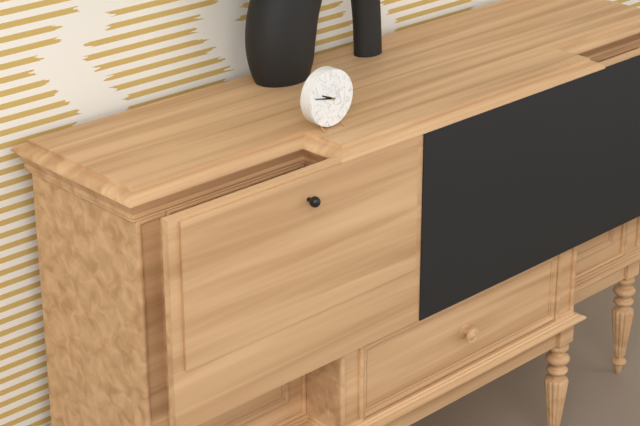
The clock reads 9.47
